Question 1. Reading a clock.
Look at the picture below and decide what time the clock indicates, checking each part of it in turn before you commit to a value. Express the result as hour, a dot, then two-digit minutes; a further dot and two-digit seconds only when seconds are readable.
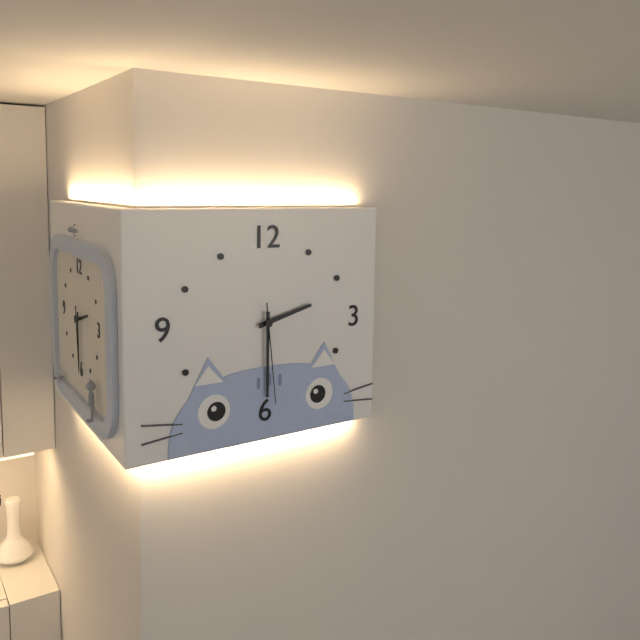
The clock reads 2.30.29
